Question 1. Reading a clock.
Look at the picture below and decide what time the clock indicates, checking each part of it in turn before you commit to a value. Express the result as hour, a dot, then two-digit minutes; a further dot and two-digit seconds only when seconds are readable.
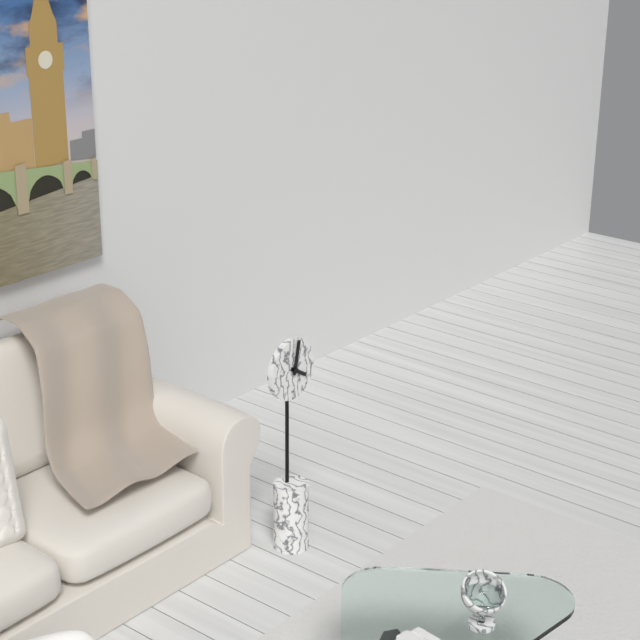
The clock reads 4.02
